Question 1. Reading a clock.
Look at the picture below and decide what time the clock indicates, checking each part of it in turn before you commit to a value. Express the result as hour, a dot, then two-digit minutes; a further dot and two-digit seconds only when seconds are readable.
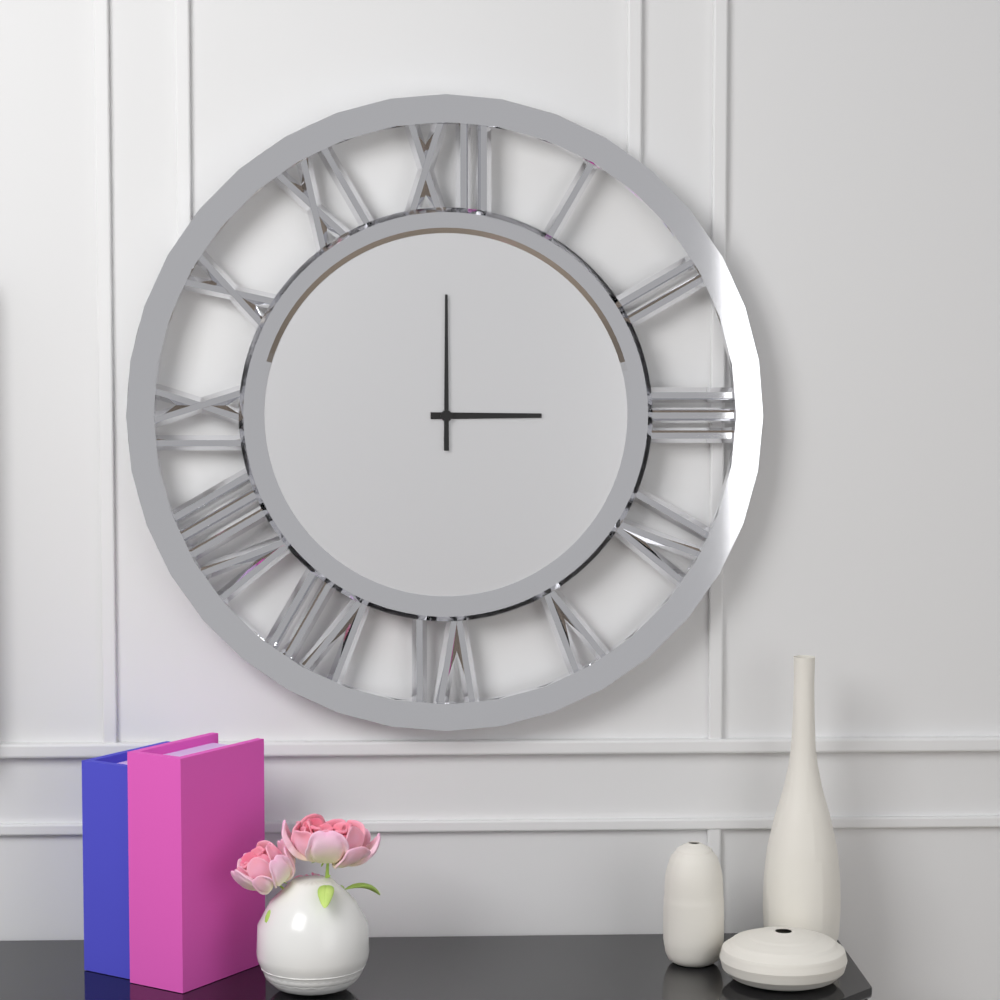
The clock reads 3.00
